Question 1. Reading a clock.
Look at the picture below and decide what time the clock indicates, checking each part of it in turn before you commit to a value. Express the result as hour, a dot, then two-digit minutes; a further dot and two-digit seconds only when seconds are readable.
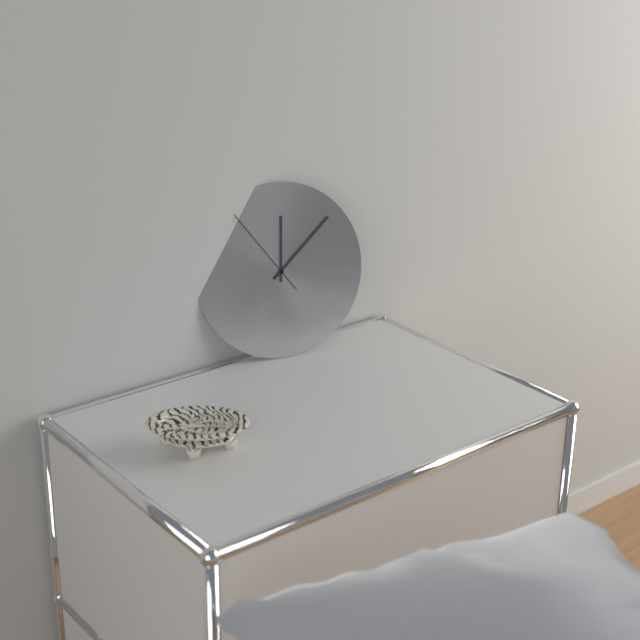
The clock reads 12.08.54
